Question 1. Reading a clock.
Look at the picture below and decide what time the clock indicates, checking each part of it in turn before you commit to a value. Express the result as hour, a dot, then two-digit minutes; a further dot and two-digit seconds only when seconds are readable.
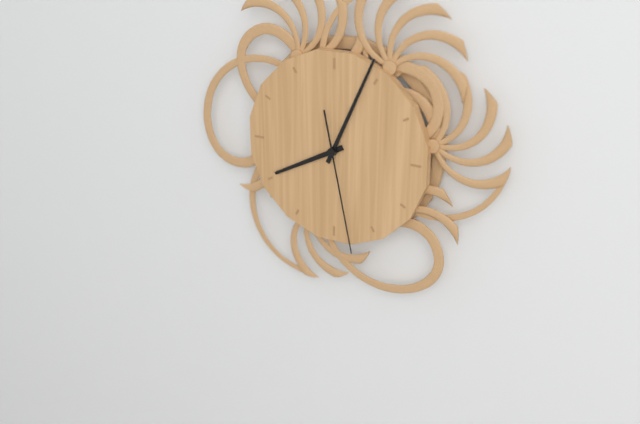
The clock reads 8.04.28
